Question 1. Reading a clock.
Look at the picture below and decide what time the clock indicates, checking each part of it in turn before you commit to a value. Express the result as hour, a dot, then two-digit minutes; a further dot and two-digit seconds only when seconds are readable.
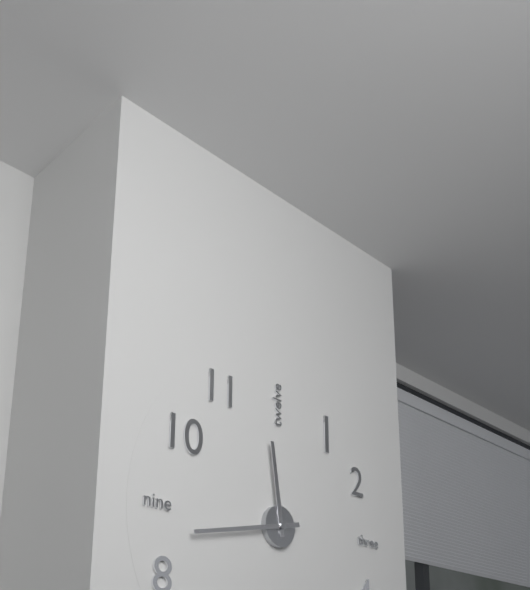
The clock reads 11.43
